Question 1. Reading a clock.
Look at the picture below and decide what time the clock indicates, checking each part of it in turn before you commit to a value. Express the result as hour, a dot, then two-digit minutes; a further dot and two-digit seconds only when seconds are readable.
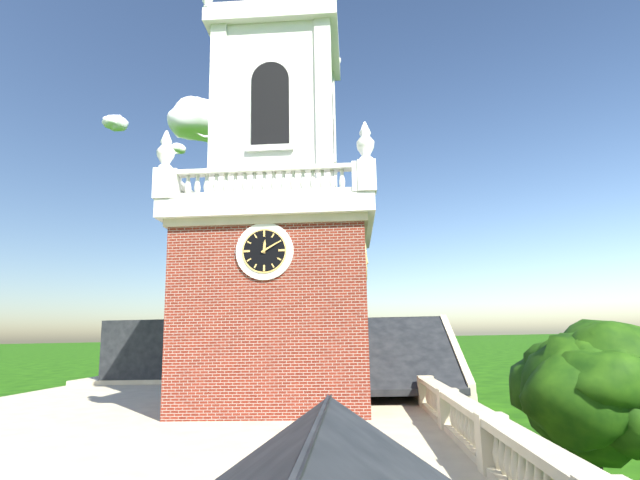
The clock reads 12.10
